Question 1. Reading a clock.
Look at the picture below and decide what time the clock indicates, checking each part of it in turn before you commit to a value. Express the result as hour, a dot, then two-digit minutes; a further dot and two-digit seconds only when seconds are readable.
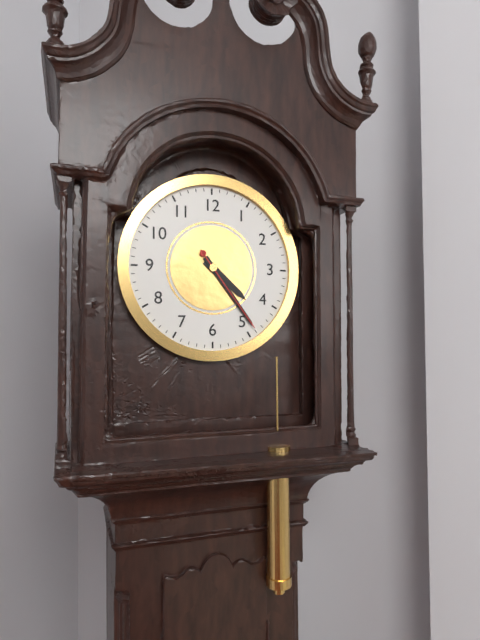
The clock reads 4.24.24
